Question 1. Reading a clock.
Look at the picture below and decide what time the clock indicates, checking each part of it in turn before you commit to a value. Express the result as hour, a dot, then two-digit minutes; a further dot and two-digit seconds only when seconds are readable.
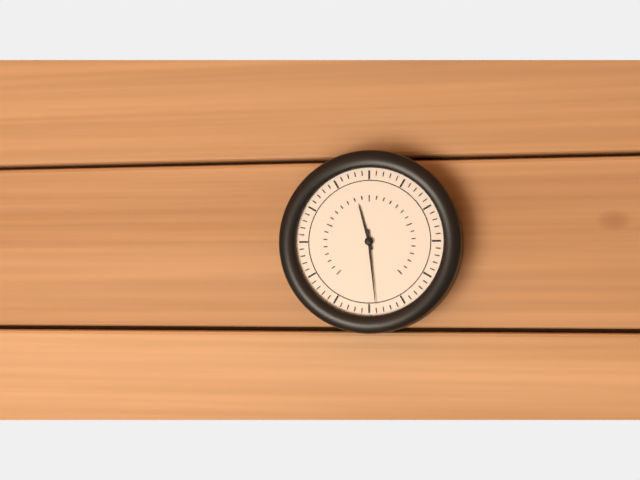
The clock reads 11.29
